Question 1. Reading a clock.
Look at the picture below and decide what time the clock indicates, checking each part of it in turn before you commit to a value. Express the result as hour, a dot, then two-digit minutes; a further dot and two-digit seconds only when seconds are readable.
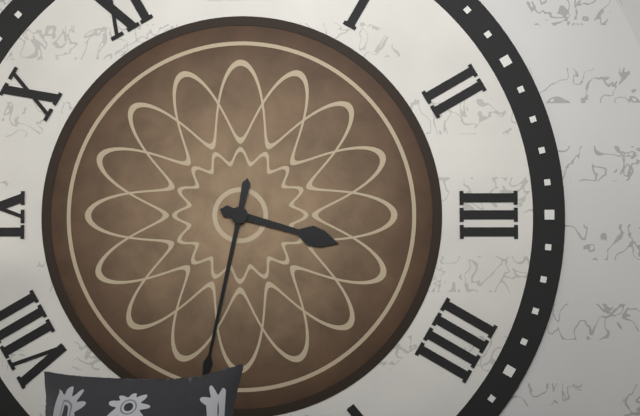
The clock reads 3.32
